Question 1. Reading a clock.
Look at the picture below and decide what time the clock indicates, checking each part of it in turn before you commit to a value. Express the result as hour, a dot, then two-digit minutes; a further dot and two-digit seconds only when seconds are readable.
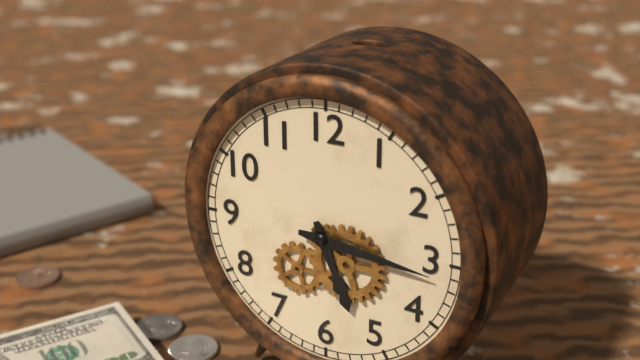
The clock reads 5.16
